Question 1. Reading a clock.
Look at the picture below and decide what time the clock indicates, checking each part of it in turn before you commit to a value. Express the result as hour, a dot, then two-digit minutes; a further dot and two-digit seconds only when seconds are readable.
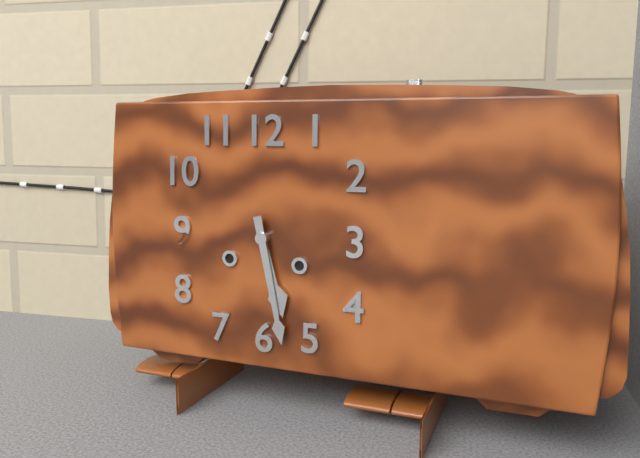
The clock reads 5.28
